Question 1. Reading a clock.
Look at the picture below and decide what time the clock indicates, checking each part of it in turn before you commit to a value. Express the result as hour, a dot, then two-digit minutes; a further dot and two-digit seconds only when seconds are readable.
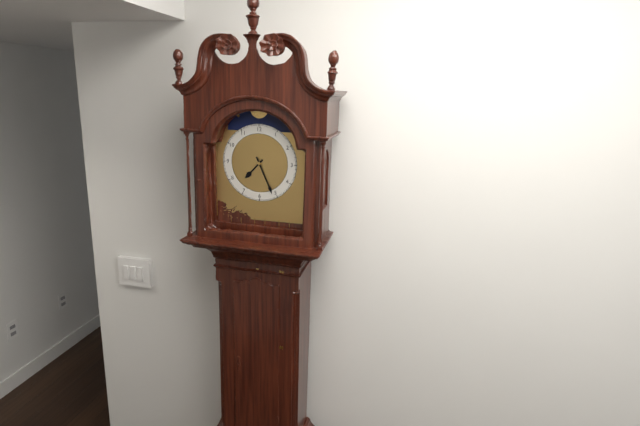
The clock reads 7.26
